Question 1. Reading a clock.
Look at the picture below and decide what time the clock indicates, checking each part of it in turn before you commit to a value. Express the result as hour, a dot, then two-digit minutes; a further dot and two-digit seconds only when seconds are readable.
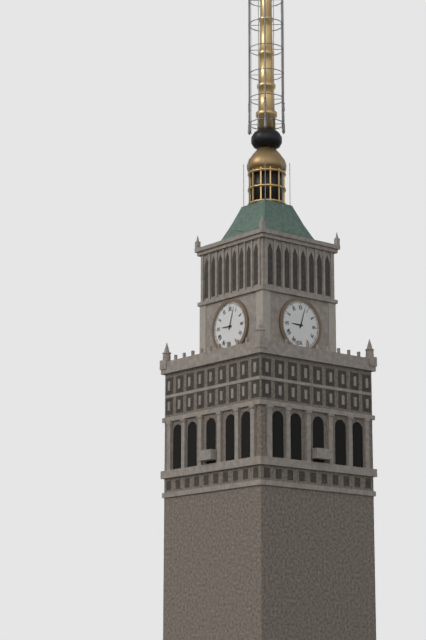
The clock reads 9.03
